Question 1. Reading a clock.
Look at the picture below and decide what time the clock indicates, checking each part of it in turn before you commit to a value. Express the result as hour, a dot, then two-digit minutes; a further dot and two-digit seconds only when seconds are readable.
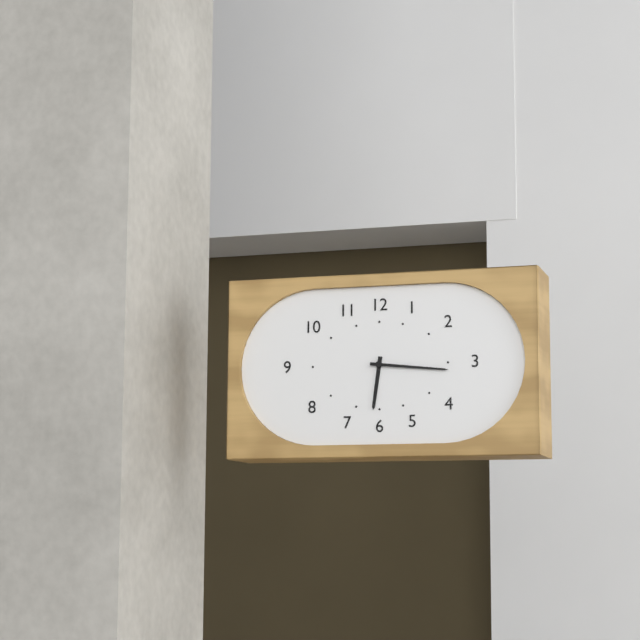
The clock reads 6.16
